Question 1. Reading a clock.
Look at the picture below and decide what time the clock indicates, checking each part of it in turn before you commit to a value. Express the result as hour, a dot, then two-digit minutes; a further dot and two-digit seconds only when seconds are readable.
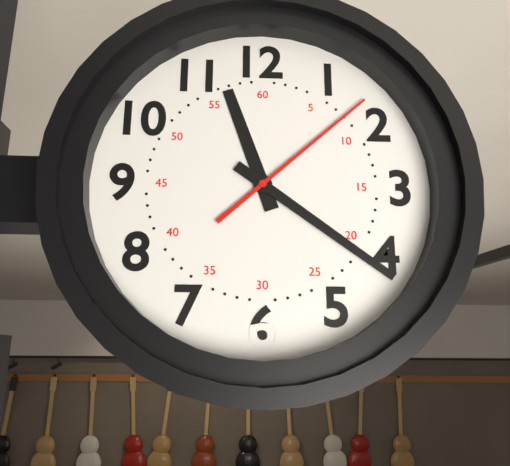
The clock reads 11.21.08
